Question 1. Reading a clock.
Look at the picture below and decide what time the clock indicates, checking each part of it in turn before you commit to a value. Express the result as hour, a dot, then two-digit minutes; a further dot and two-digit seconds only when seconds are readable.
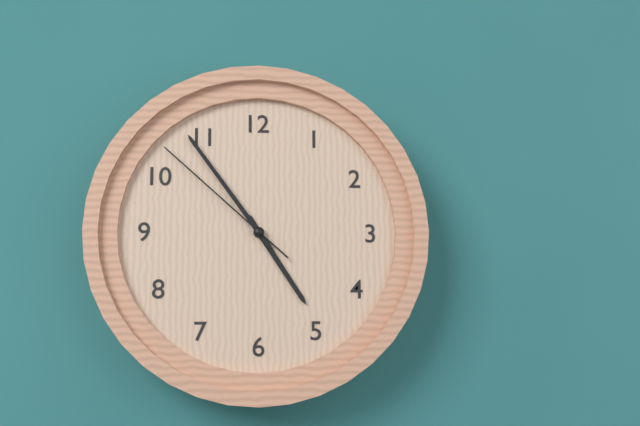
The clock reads 4.54.52
